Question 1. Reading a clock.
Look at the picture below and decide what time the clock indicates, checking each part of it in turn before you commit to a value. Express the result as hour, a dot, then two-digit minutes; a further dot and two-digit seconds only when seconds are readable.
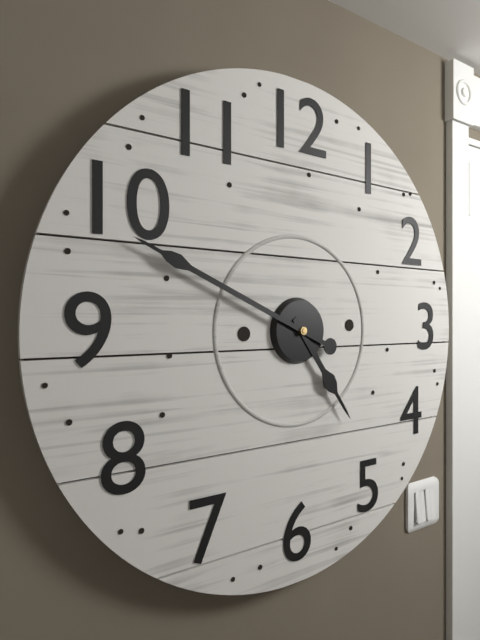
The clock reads 4.49
